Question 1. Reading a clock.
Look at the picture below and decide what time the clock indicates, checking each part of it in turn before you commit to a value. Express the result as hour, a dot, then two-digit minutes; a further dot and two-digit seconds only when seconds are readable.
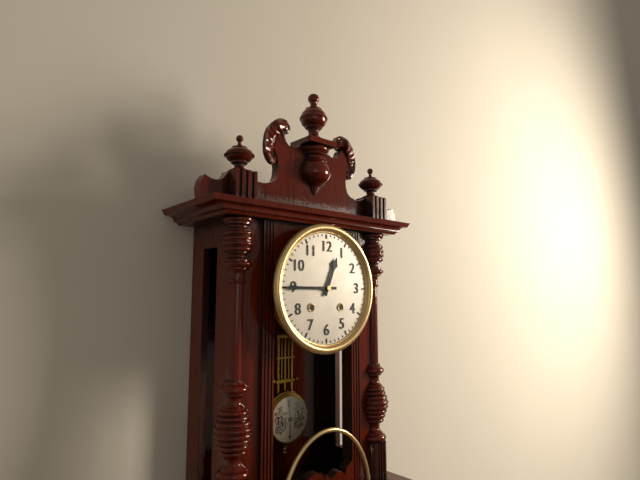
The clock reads 12.45
